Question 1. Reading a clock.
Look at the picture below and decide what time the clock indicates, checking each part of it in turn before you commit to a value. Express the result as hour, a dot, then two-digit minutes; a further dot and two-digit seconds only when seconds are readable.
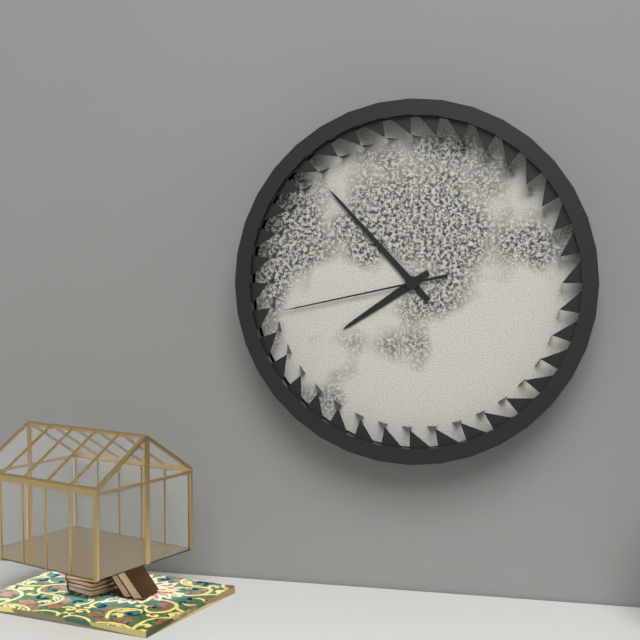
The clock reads 7.53.43
